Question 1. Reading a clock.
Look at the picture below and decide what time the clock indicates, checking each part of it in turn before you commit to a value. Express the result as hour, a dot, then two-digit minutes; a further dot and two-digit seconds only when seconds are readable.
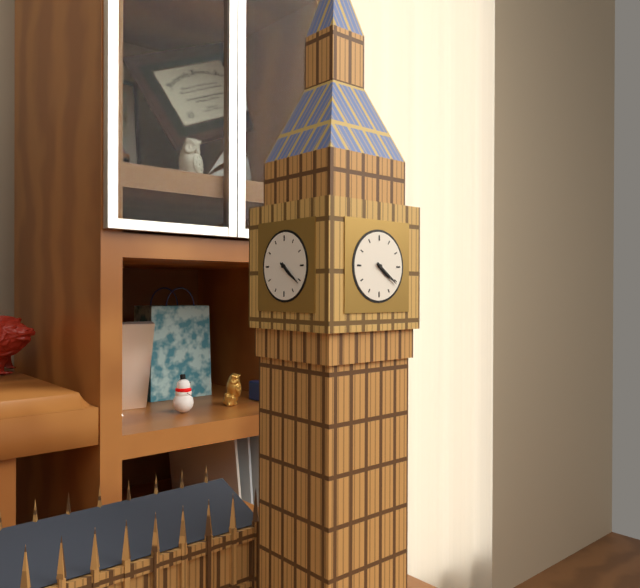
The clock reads 4.21
